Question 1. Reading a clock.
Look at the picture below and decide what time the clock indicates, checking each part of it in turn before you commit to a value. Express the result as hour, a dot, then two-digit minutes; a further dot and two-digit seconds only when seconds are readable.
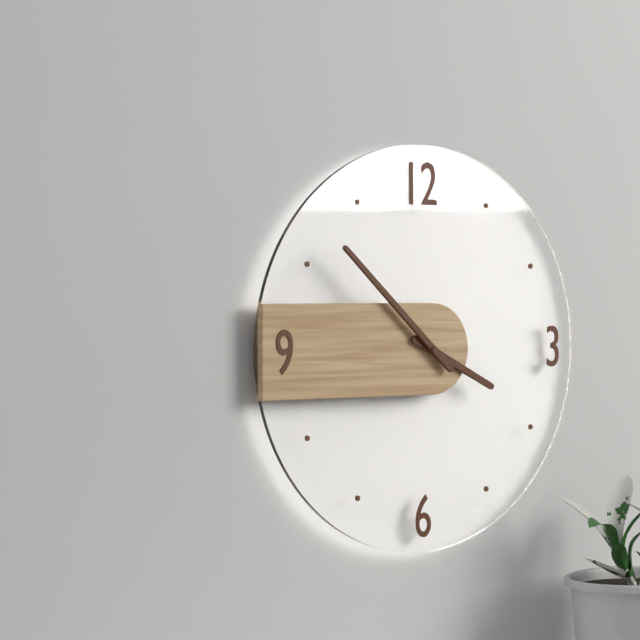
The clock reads 3.52
